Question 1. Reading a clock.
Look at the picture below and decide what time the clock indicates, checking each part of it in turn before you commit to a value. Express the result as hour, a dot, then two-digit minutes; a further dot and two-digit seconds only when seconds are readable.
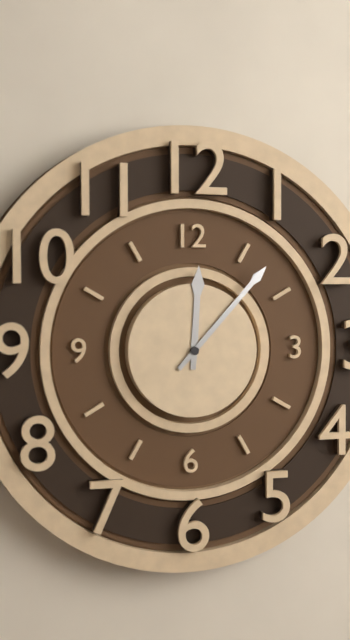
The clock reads 12.07
